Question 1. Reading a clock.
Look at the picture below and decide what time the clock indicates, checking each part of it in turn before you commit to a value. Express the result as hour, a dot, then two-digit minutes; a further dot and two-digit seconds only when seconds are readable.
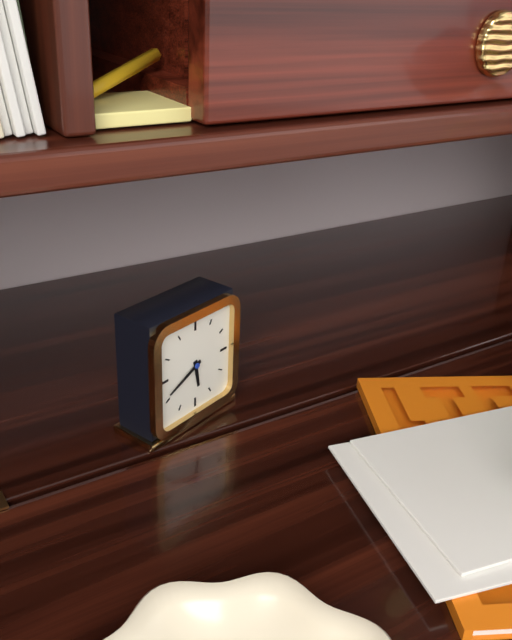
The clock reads 5.41
